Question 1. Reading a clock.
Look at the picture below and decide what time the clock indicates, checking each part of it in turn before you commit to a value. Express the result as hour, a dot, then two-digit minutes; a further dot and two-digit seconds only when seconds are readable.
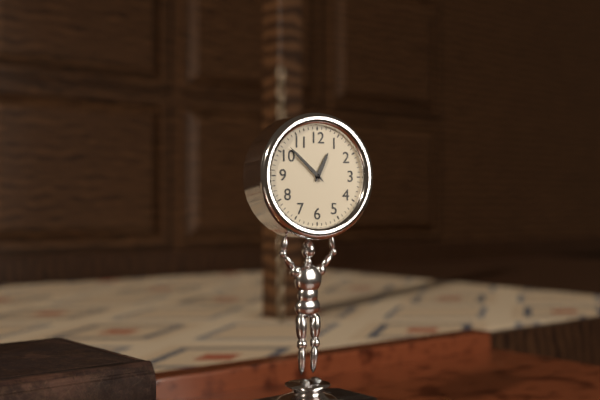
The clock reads 12.52
